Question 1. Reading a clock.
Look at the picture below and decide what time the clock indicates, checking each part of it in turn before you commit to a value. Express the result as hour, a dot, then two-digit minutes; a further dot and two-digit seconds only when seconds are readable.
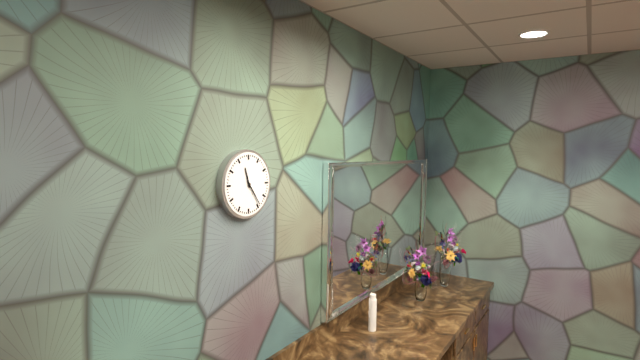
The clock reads 11.24
